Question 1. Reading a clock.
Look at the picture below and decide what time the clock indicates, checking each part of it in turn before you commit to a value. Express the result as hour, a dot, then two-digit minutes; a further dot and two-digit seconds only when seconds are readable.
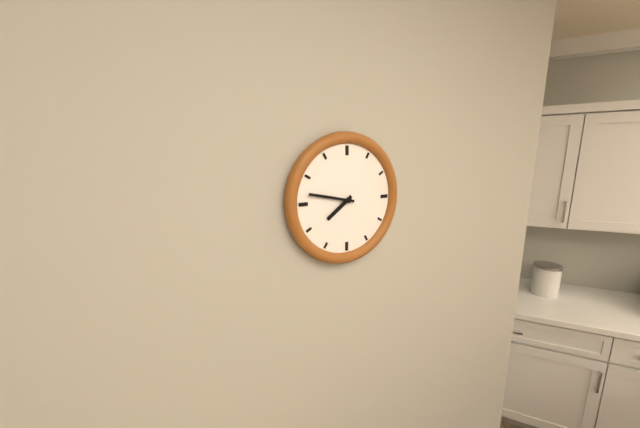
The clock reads 7.47
